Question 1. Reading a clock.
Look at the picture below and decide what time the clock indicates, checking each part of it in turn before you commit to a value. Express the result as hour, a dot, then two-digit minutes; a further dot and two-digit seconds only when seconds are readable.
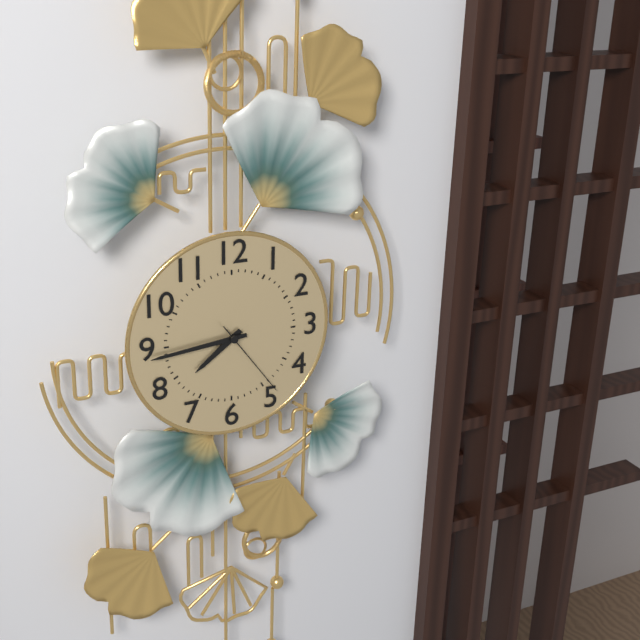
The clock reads 7.44.24
